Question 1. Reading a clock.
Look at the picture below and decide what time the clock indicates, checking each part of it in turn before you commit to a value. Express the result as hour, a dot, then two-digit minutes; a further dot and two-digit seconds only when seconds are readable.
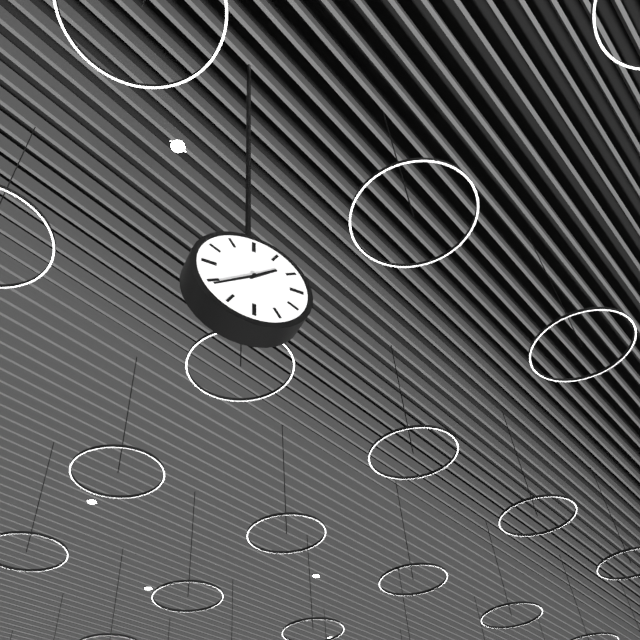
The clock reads 1.39
